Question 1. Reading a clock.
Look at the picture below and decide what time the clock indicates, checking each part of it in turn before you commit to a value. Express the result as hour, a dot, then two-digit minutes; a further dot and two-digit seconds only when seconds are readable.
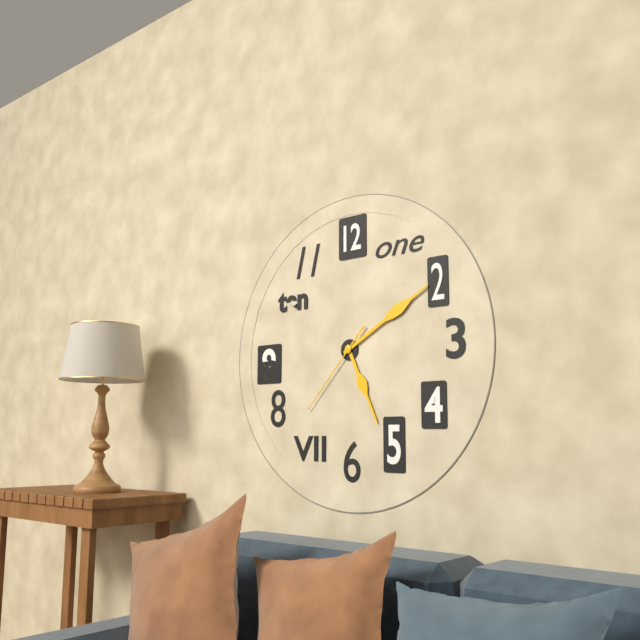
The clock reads 5.10.37
